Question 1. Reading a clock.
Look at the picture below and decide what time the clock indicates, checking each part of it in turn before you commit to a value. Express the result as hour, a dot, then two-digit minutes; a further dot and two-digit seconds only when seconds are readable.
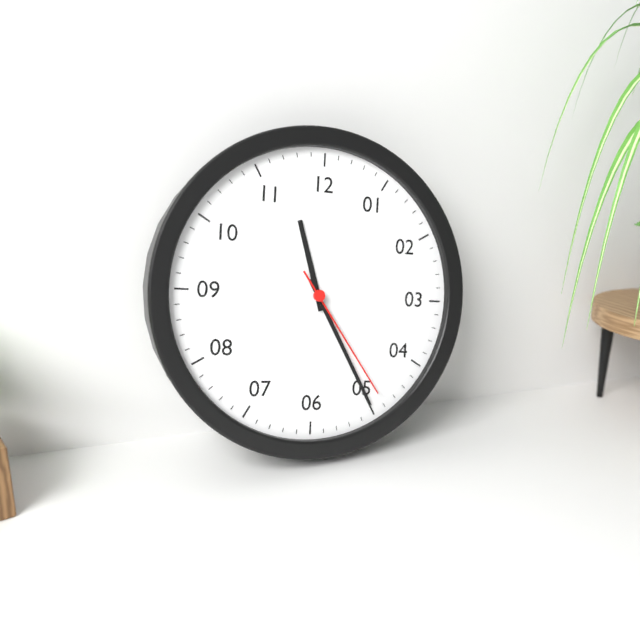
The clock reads 11.25.24
